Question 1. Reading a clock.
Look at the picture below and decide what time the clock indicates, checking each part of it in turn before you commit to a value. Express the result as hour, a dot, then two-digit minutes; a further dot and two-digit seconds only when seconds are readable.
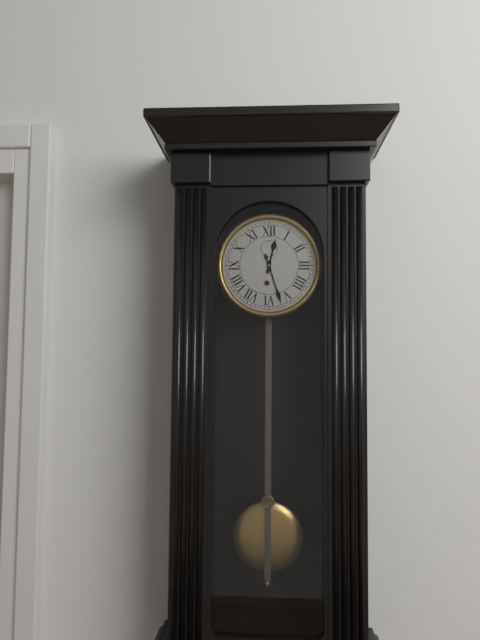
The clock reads 12.27
